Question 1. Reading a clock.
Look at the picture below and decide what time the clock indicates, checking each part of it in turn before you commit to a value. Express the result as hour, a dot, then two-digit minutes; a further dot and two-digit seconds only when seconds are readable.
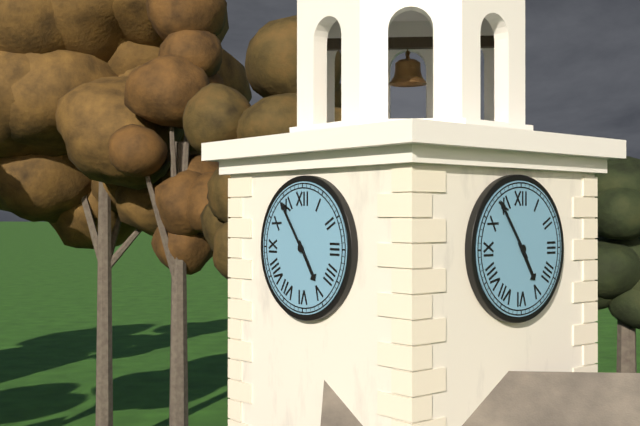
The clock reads 4.54
